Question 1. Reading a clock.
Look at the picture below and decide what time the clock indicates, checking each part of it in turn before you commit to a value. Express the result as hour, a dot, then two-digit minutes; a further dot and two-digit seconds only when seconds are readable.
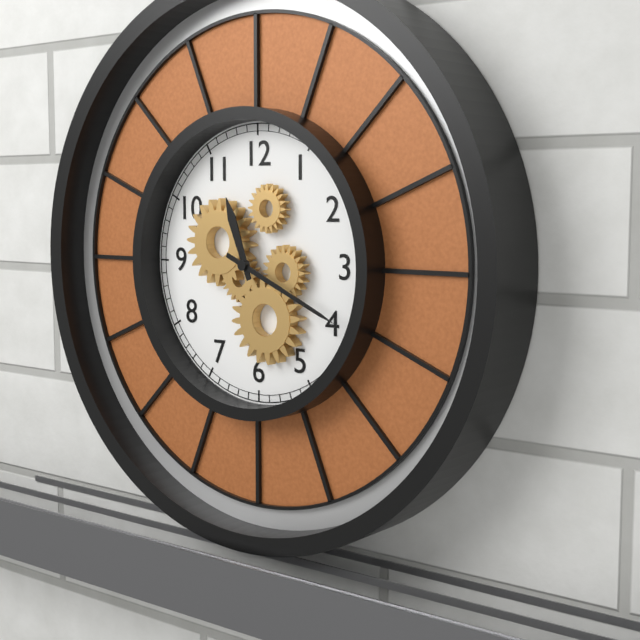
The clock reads 11.19
